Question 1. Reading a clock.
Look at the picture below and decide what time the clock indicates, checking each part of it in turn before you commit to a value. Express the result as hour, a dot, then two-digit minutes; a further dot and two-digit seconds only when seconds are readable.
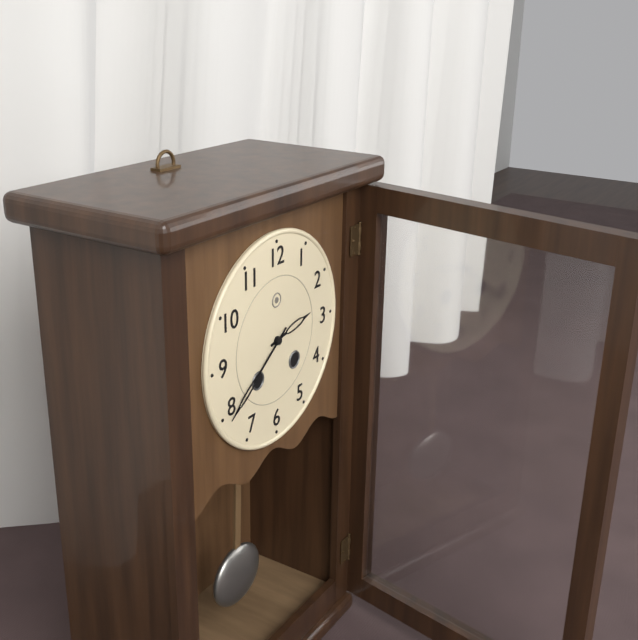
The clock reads 2.39
